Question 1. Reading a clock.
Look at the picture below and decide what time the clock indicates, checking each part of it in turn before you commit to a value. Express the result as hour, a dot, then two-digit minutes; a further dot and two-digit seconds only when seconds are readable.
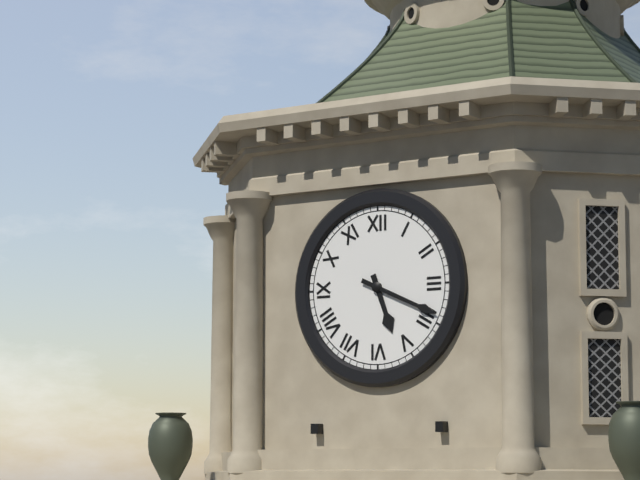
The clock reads 5.19
